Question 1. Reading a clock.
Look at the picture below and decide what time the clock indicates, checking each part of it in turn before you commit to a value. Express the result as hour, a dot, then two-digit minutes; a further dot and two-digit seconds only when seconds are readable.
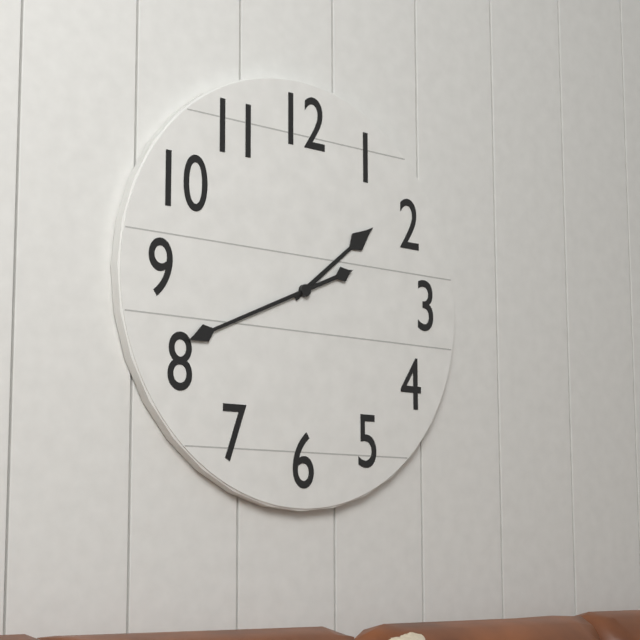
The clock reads 1.41
